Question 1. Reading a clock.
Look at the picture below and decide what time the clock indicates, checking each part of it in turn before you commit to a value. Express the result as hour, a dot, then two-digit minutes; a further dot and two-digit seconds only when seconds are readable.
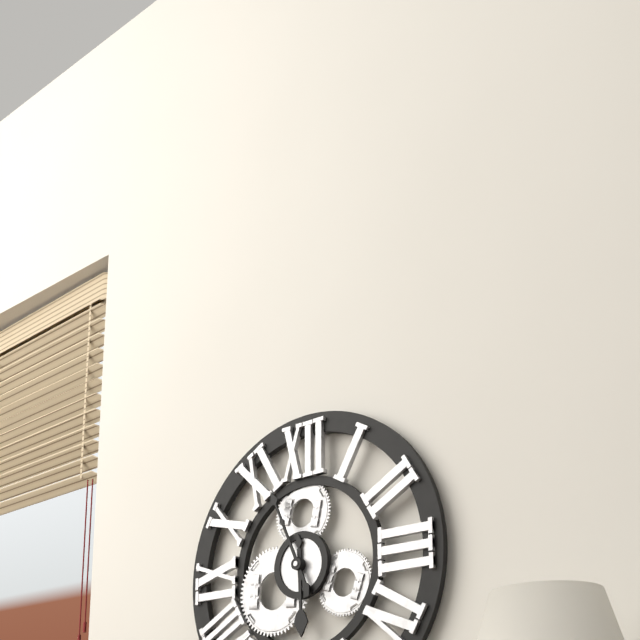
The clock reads 5.56
